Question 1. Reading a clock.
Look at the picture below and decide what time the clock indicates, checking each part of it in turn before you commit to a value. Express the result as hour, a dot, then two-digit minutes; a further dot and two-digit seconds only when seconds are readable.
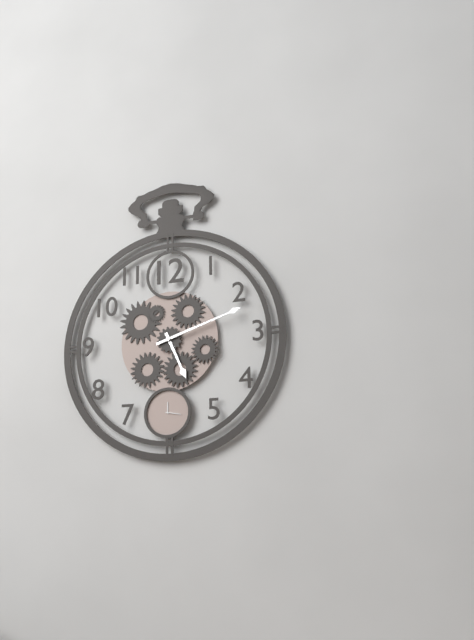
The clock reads 5.12
